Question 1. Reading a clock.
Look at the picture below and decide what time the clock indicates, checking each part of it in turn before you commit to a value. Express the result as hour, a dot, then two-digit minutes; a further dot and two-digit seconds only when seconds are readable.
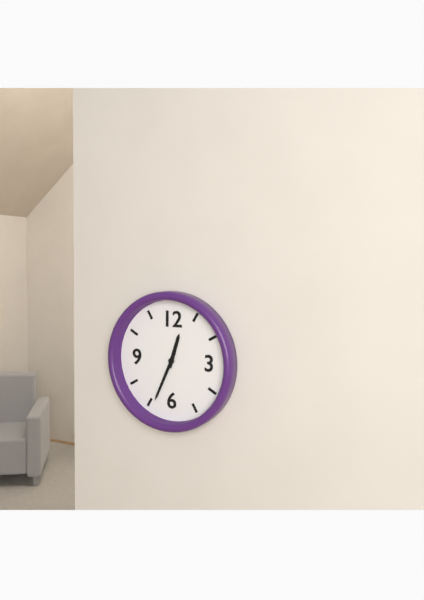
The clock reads 12.34
